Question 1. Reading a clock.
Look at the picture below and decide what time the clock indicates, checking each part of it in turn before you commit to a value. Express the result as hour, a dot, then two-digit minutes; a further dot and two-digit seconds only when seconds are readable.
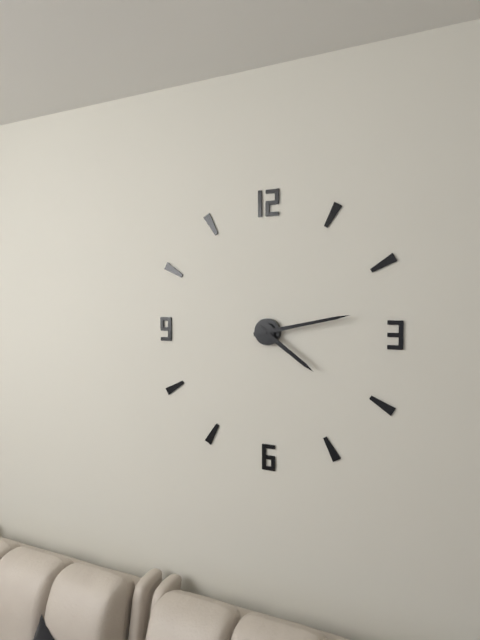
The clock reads 4.13
